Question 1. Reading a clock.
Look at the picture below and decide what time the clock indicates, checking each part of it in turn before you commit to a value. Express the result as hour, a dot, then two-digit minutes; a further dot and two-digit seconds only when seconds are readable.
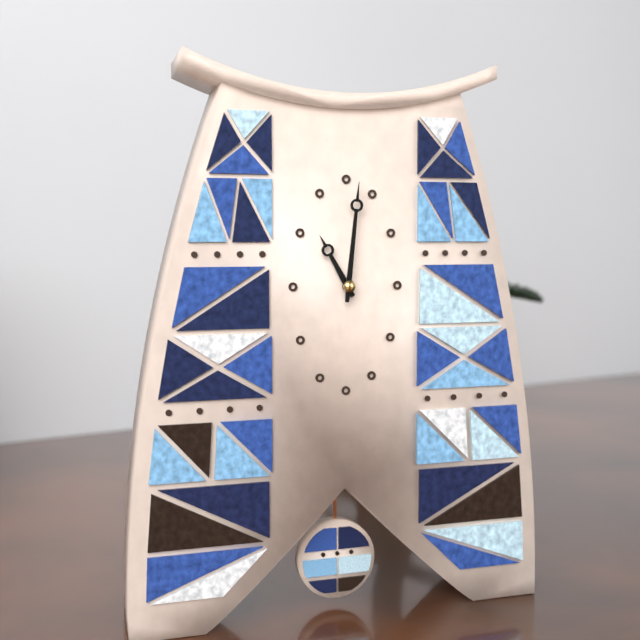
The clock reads 11.01
